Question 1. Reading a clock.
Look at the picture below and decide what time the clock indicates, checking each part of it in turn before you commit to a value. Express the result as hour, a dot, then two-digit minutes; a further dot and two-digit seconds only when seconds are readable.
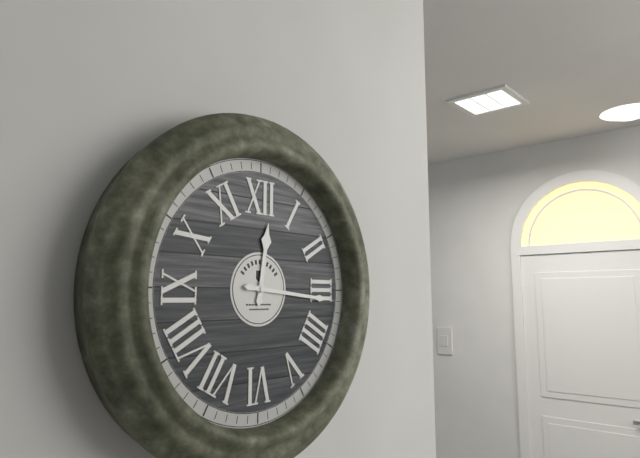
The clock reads 12.16
